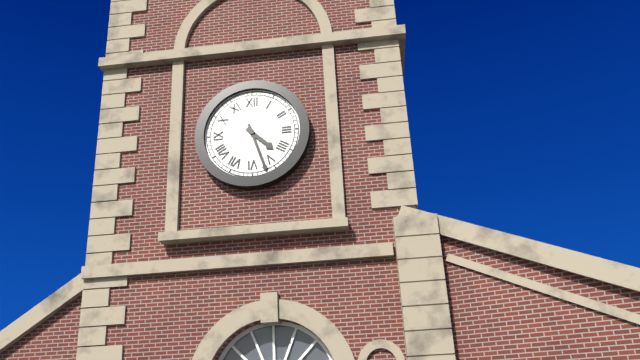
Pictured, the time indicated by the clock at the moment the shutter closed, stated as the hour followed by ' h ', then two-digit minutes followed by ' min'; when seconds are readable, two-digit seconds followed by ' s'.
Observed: 4 h 27 min
